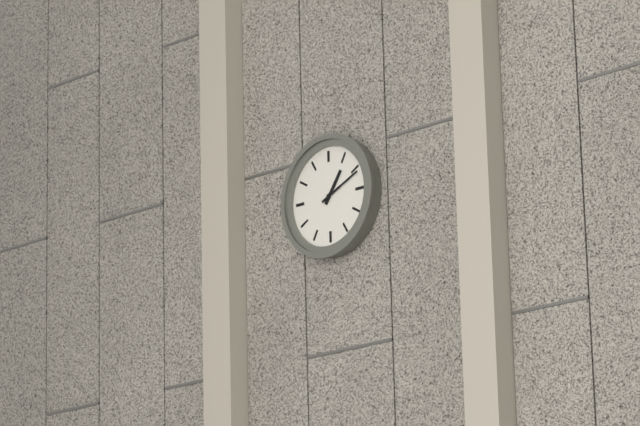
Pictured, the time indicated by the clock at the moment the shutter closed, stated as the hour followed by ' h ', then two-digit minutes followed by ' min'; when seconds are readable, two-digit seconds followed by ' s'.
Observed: 1 h 11 min
